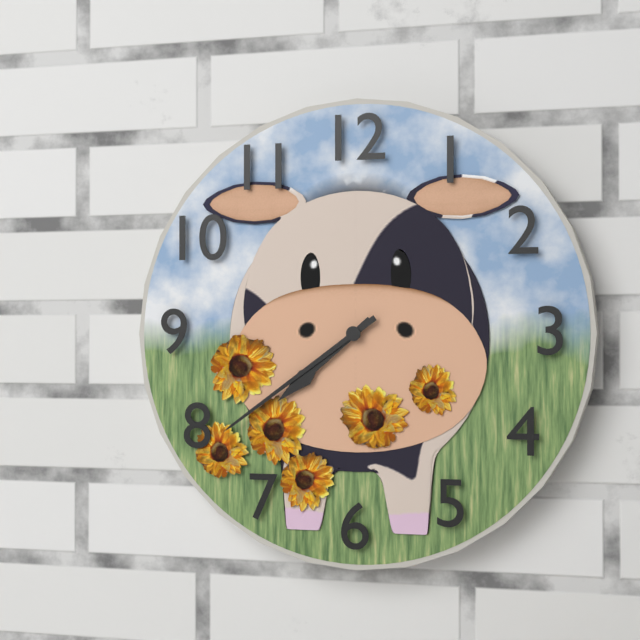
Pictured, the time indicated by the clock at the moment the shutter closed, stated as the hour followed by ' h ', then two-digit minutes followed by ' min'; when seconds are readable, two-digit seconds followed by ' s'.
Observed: 7 h 39 min
